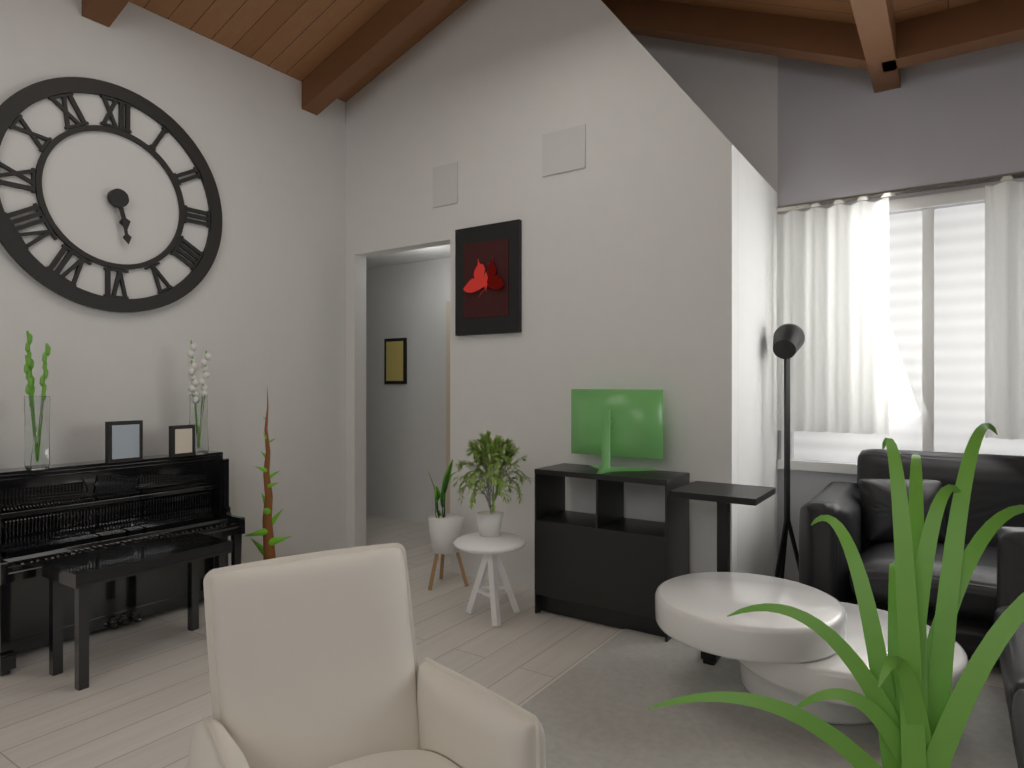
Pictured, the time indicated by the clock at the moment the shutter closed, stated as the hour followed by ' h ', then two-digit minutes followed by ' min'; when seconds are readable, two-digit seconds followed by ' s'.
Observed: 5 h 28 min
